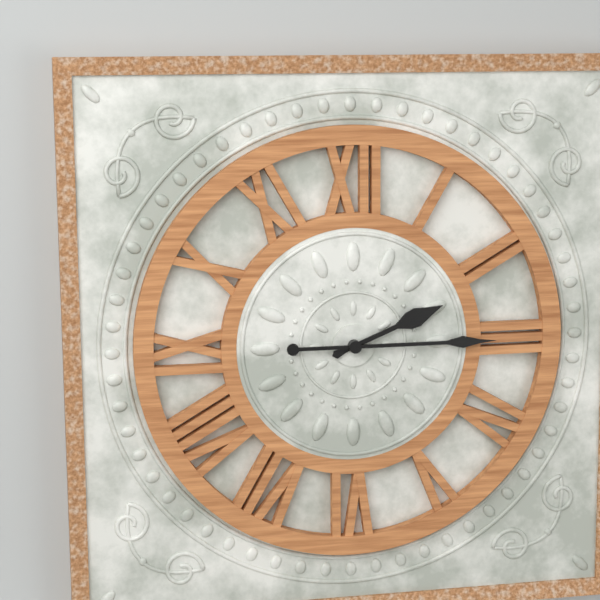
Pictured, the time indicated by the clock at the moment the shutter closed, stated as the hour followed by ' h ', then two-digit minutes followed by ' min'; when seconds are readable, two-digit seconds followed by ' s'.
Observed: 2 h 15 min
